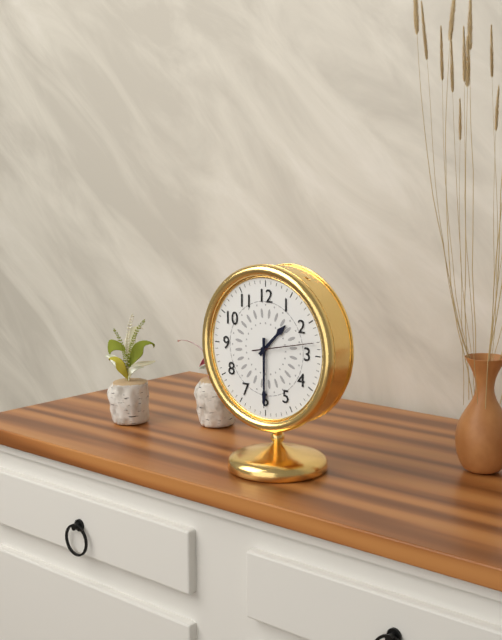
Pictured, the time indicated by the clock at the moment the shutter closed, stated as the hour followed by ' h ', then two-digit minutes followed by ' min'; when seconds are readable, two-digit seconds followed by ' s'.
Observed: 1 h 30 min 13 s
